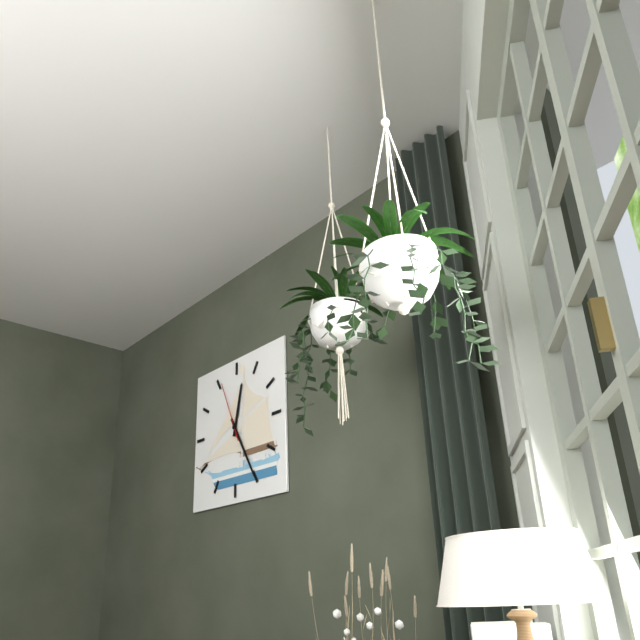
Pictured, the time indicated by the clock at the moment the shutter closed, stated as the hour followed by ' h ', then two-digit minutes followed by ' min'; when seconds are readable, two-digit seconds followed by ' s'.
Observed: 12 h 25 min 56 s
